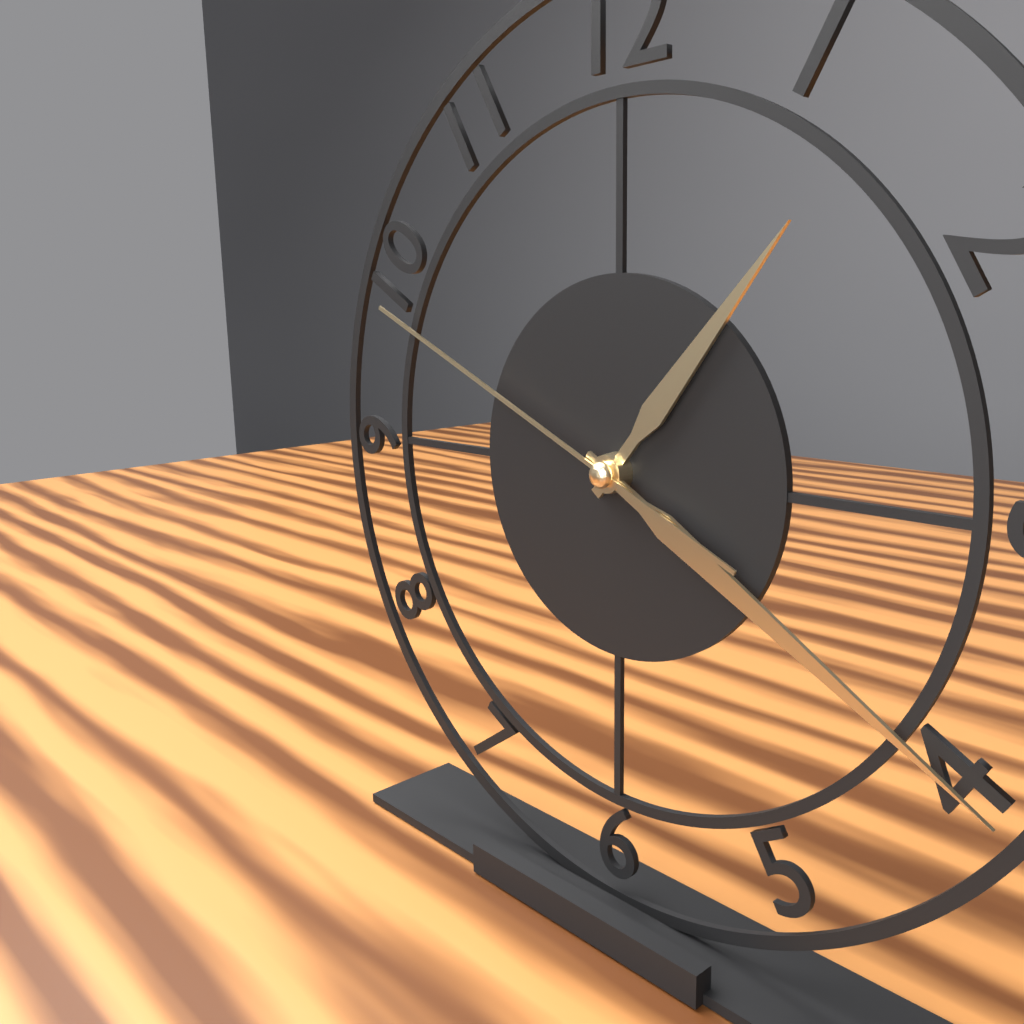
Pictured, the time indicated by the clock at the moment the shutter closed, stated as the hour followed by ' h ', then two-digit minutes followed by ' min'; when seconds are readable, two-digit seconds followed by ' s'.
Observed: 1 h 20 min 49 s
